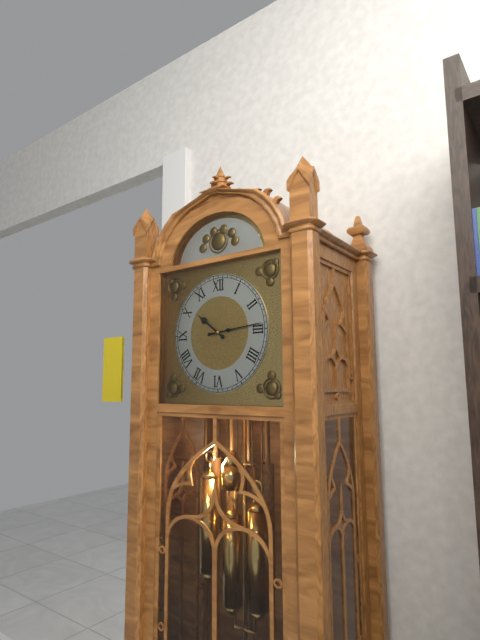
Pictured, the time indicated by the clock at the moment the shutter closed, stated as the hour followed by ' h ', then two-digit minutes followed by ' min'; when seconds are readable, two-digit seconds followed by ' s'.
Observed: 10 h 14 min
